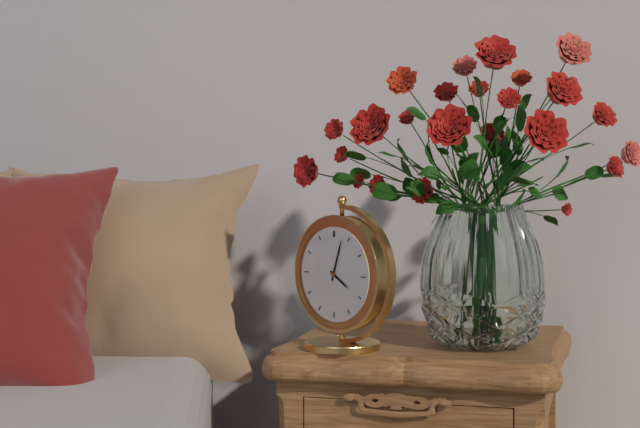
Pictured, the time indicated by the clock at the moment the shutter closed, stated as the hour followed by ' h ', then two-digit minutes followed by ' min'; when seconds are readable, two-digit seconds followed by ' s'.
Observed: 4 h 03 min
